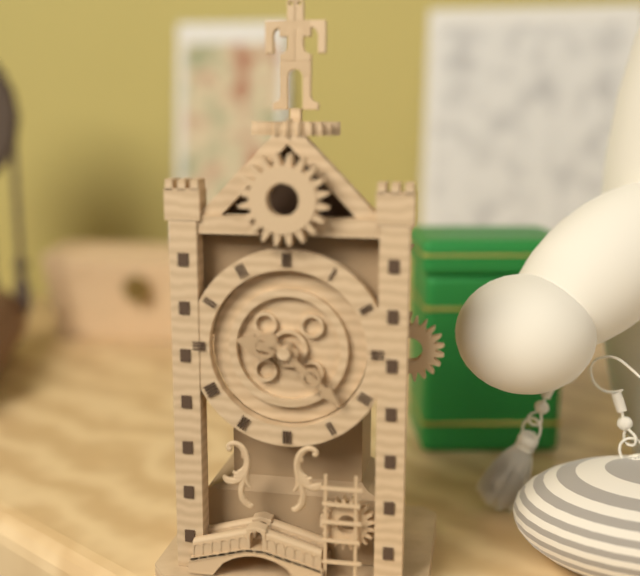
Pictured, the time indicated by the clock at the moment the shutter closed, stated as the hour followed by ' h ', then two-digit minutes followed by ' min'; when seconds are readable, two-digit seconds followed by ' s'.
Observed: 9 h 22 min
